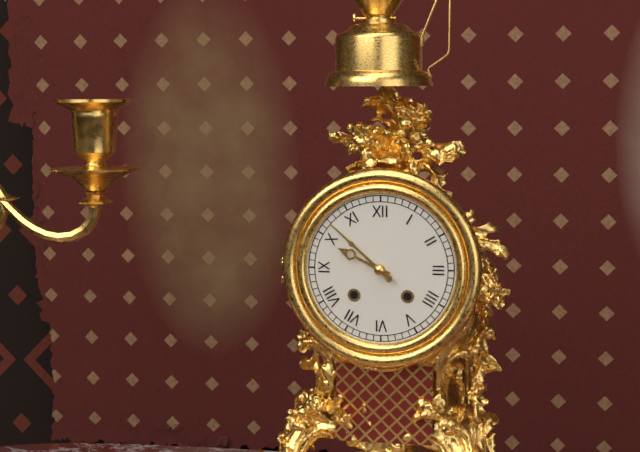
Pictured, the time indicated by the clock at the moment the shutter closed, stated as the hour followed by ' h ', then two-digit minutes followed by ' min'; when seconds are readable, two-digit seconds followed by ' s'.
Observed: 9 h 52 min
